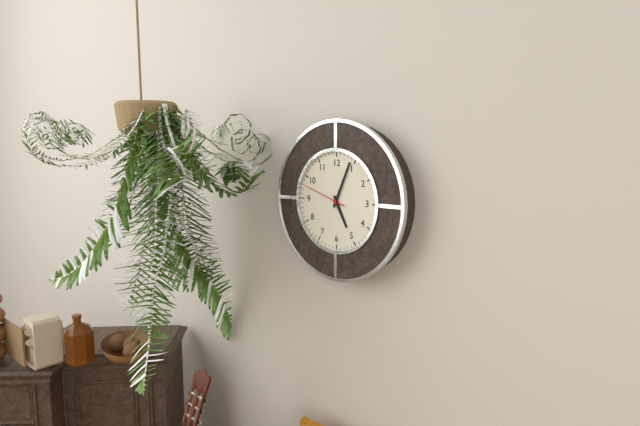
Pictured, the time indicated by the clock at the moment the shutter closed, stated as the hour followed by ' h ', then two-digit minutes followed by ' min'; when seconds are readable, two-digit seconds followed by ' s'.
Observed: 5 h 04 min
